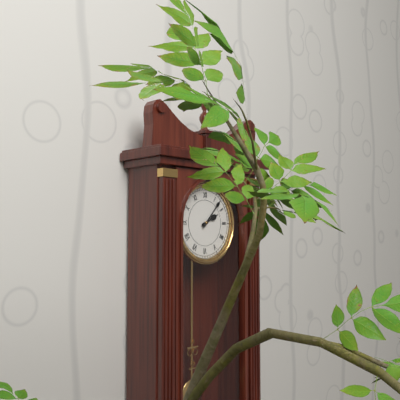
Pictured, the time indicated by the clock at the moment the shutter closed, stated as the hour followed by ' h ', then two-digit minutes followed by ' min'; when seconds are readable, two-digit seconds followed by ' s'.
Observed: 2 h 07 min
